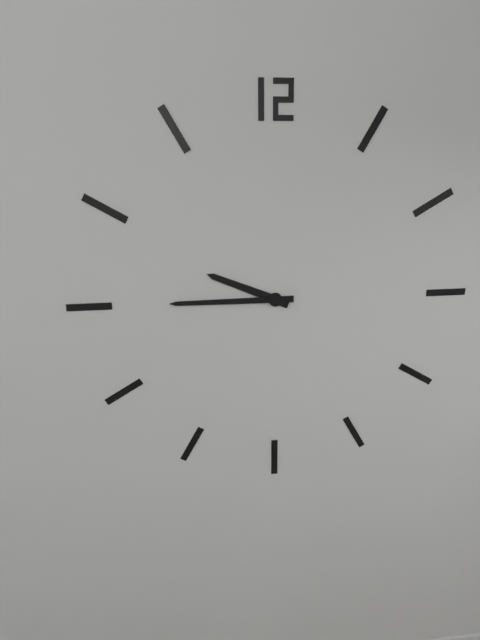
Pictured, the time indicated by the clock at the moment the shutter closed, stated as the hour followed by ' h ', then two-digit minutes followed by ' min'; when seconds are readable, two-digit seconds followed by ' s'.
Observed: 9 h 45 min
